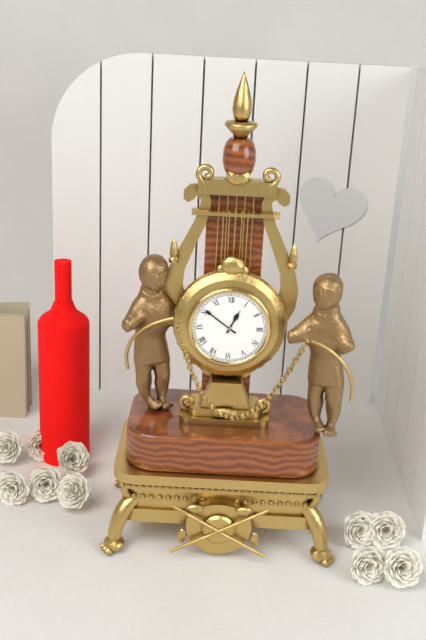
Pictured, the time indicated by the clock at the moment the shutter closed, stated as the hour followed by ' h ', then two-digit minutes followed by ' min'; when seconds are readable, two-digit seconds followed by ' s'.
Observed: 12 h 51 min
